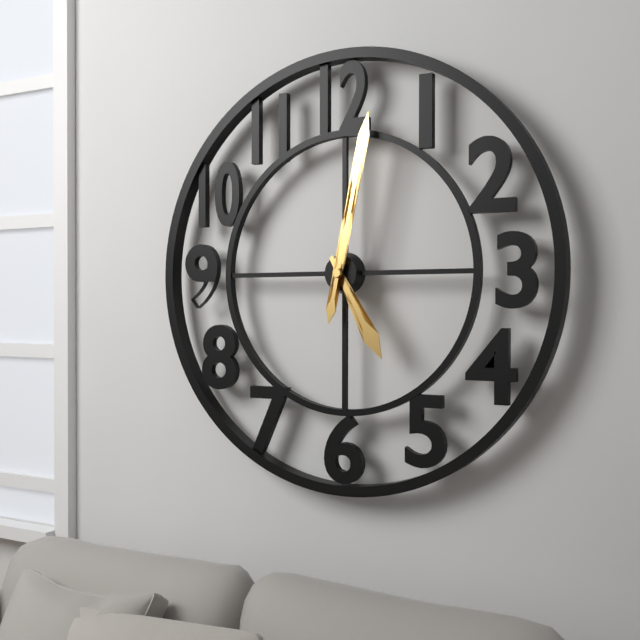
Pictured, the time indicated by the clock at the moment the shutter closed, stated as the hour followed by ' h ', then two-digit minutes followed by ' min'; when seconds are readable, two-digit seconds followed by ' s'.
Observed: 5 h 02 min
